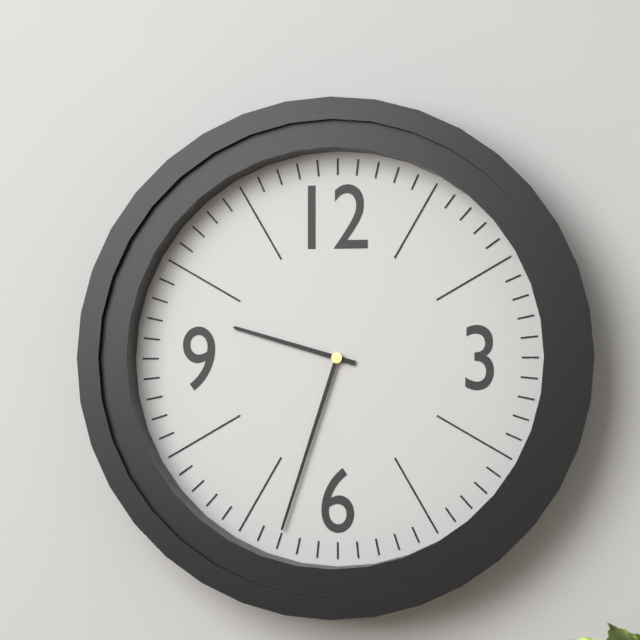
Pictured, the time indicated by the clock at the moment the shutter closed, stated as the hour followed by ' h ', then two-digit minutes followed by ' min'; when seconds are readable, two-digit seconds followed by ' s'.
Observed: 9 h 33 min
